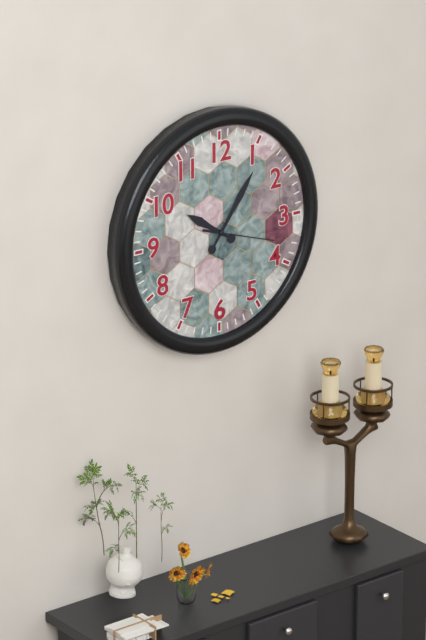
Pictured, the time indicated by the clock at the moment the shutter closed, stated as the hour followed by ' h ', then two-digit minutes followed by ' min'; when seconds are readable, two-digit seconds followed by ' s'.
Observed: 10 h 06 min 18 s
